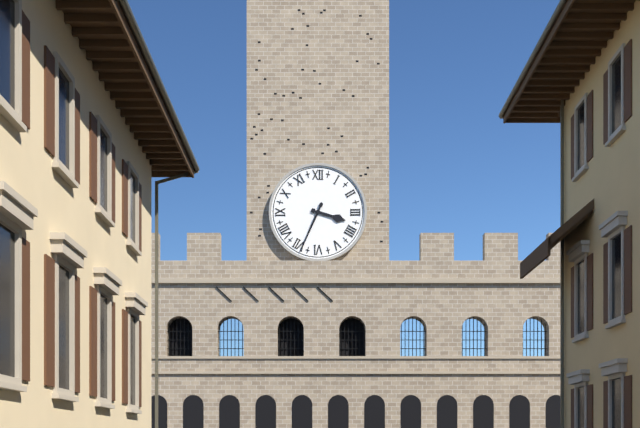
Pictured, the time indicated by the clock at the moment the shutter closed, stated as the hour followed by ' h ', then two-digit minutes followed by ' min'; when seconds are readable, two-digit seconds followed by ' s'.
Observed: 3 h 34 min
